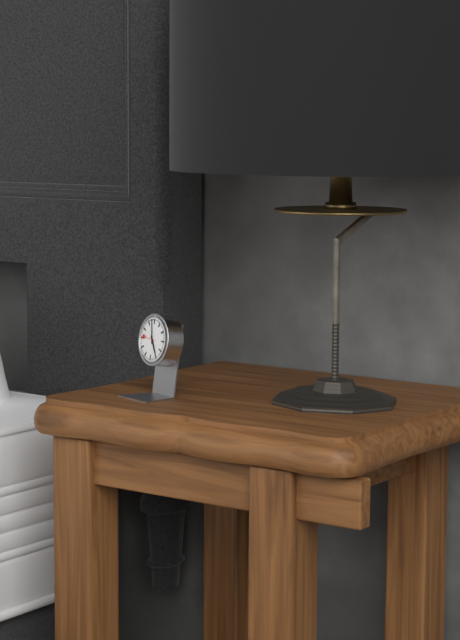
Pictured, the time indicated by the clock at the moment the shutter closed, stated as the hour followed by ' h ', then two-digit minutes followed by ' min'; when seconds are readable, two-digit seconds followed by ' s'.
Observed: 4 h 58 min
